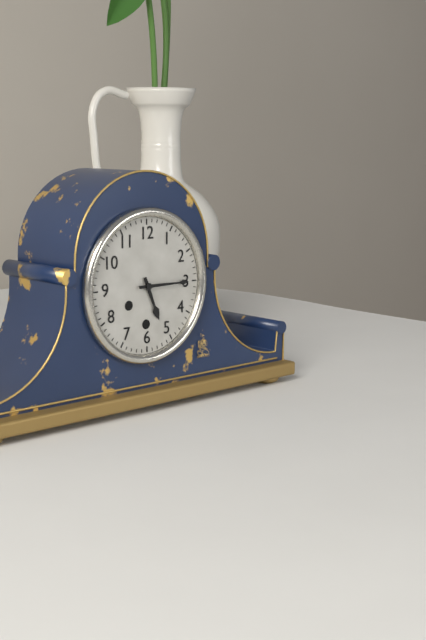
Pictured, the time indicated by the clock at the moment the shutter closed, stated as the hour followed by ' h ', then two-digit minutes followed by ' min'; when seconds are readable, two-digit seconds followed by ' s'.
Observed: 5 h 15 min
